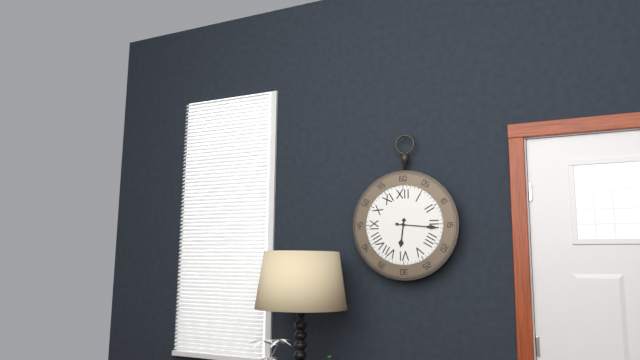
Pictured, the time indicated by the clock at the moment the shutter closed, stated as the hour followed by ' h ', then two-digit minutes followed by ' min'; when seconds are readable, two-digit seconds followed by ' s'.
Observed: 6 h 16 min
